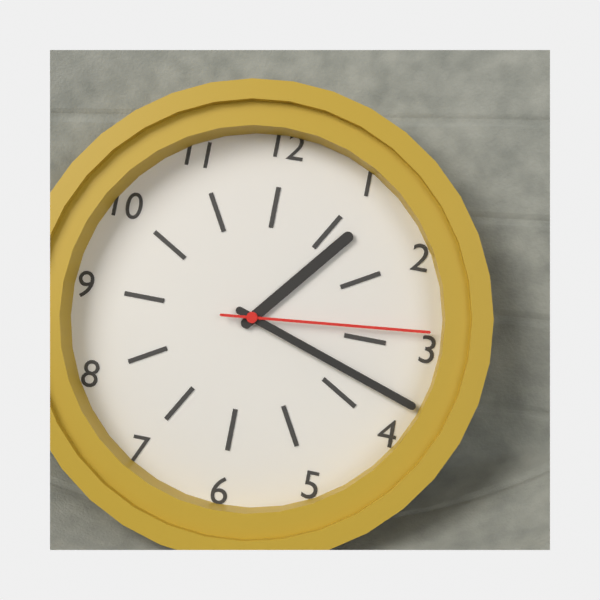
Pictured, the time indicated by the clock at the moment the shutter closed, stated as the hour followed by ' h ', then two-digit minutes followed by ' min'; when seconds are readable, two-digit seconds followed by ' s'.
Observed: 1 h 18 min 14 s
